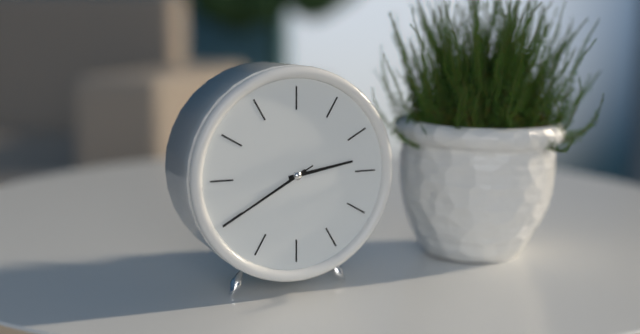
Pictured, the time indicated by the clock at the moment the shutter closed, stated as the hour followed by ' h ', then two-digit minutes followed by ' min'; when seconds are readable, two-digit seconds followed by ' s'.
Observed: 2 h 40 min 40 s
